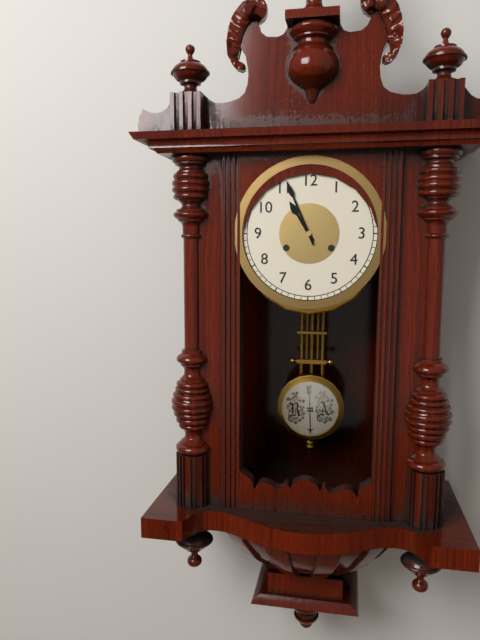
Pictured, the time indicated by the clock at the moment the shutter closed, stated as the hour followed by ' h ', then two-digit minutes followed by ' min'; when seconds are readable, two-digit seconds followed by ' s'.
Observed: 10 h 56 min
